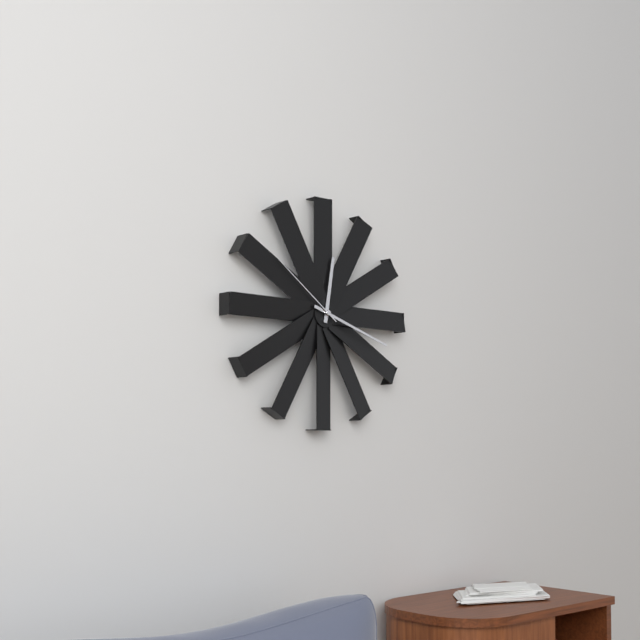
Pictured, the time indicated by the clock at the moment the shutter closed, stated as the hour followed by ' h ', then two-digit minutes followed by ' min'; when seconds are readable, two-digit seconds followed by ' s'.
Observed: 12 h 18 min 51 s
